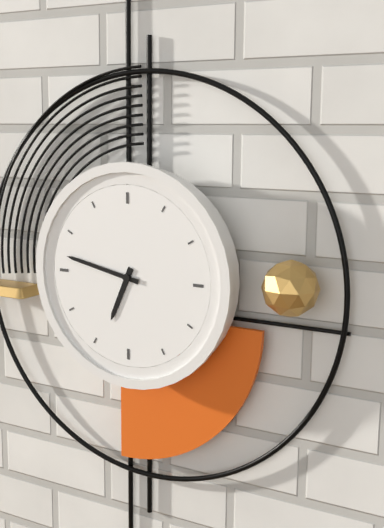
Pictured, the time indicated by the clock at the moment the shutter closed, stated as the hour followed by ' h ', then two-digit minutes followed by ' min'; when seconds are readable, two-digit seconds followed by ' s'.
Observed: 6 h 47 min
